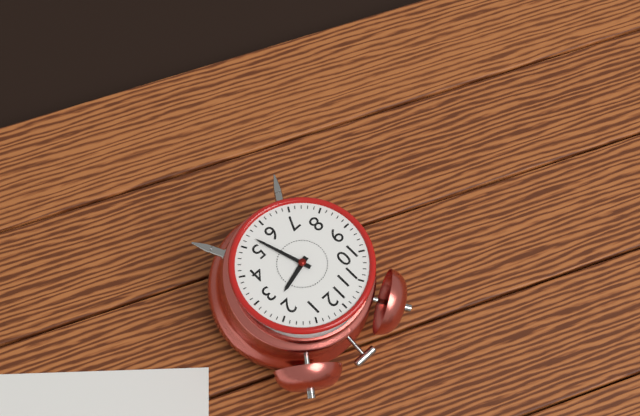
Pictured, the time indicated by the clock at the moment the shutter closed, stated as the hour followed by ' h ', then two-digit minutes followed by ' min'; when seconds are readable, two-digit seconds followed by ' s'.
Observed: 2 h 27 min
